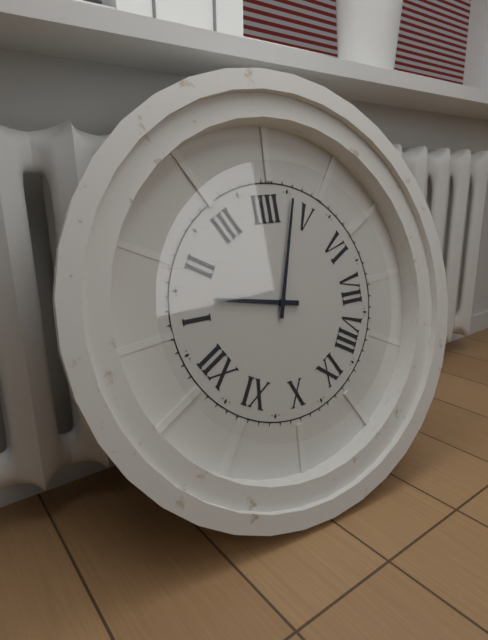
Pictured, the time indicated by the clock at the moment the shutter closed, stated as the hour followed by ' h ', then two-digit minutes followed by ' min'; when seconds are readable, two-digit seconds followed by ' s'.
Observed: 1 h 23 min
